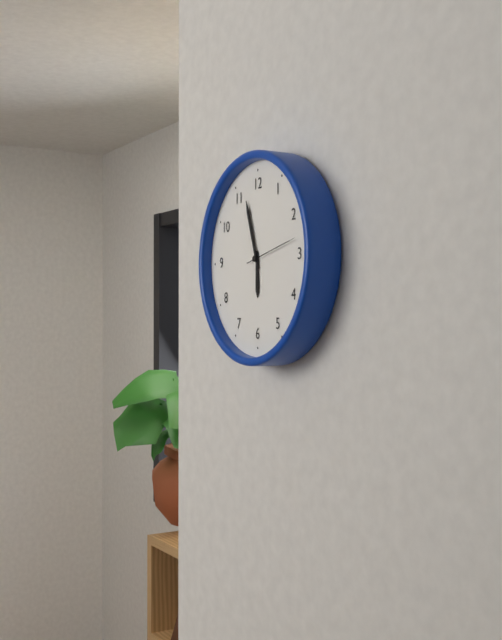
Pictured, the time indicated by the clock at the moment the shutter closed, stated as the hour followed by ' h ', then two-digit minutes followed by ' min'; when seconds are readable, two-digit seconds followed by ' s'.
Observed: 5 h 57 min 13 s
